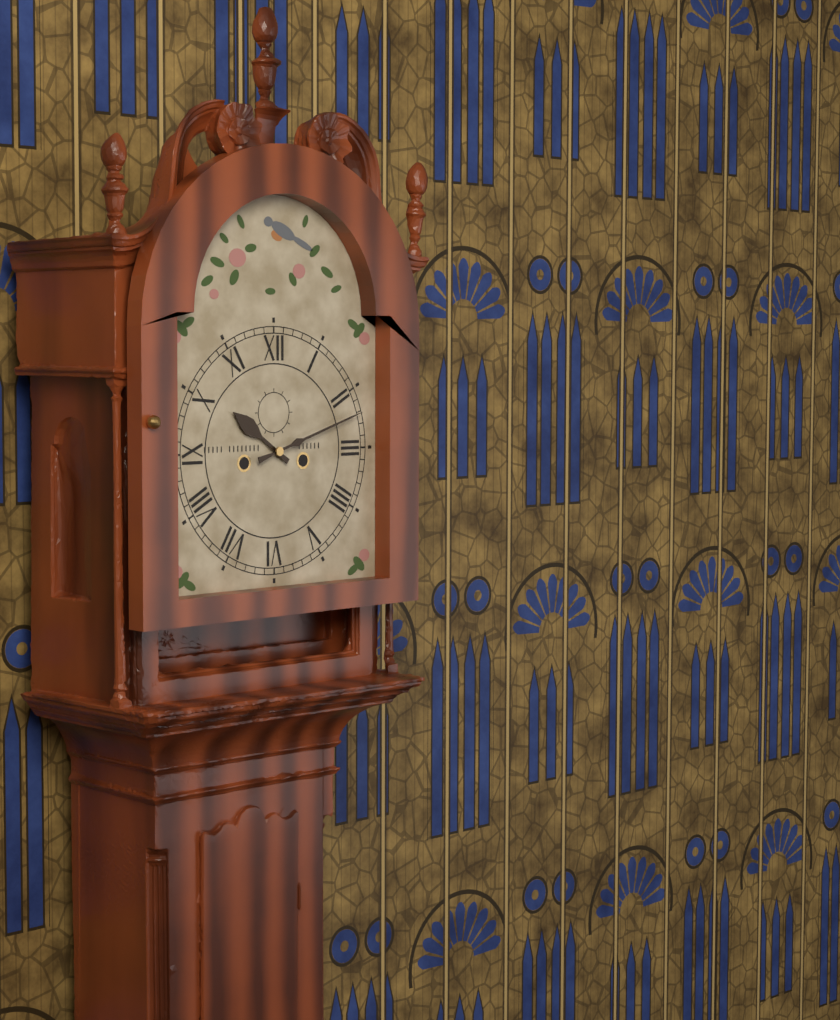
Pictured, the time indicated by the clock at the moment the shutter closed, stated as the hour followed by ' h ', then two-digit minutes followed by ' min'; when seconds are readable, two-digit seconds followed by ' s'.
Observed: 10 h 12 min
